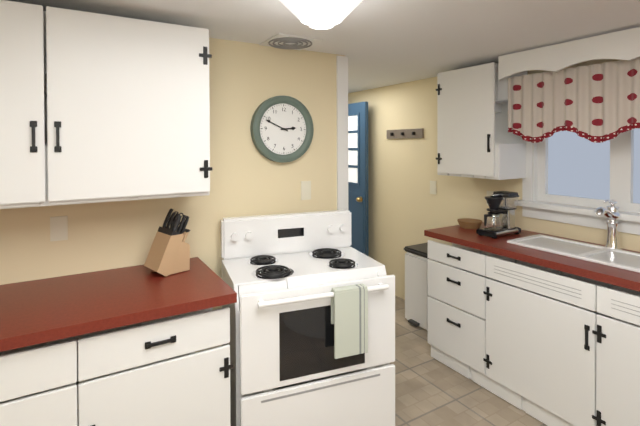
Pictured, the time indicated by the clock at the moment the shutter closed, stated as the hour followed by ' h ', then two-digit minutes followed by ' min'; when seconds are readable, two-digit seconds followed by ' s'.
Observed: 2 h 49 min
